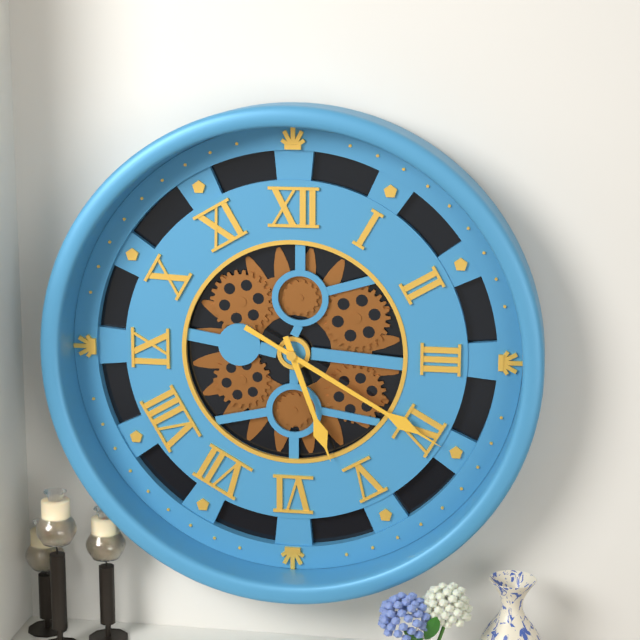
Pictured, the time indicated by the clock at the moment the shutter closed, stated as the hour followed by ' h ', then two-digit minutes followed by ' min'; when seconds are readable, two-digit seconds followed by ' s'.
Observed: 5 h 20 min
